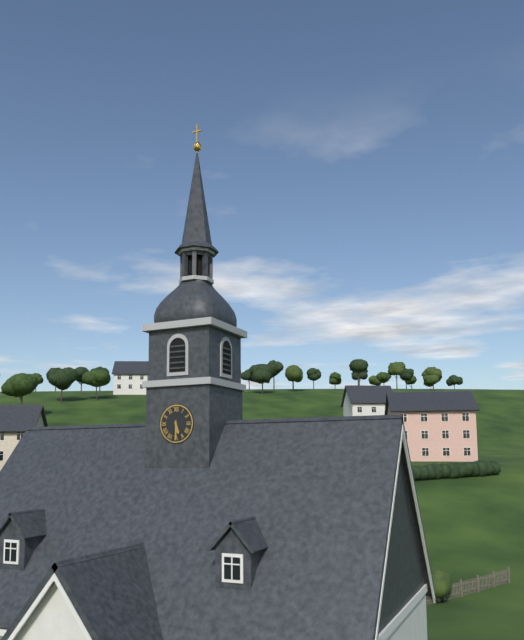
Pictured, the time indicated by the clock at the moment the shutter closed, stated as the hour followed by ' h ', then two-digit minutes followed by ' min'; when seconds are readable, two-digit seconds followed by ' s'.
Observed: 5 h 30 min
